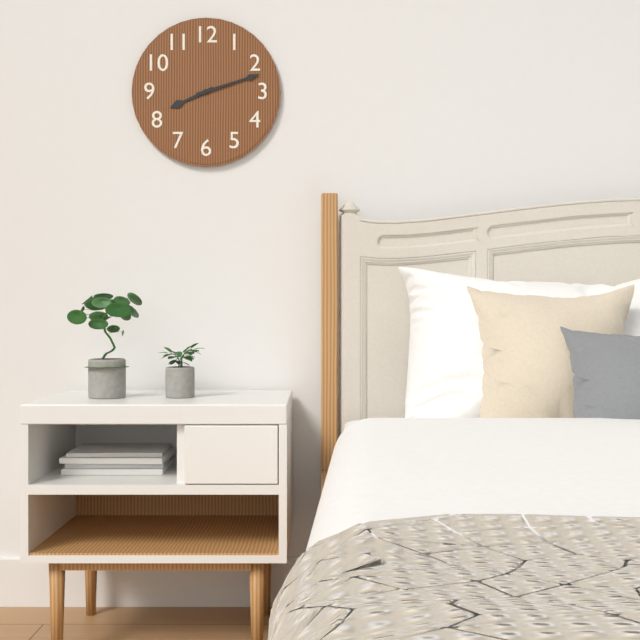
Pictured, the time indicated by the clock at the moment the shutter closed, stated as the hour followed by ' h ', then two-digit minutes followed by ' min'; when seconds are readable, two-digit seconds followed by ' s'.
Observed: 8 h 12 min
